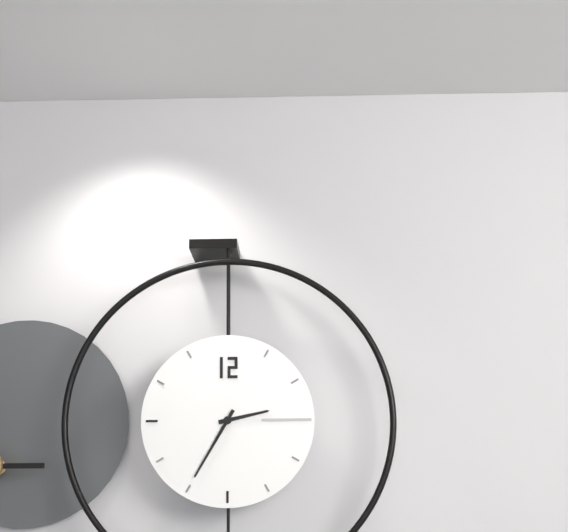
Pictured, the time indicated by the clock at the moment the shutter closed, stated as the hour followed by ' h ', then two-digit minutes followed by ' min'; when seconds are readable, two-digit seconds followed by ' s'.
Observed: 2 h 35 min
